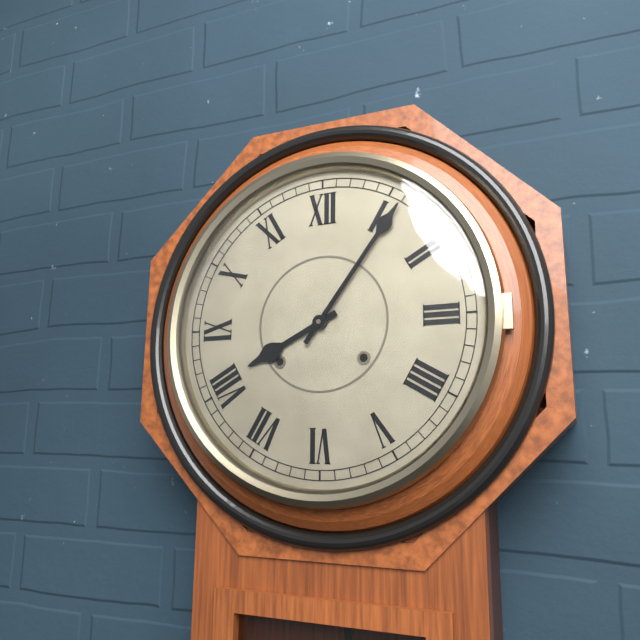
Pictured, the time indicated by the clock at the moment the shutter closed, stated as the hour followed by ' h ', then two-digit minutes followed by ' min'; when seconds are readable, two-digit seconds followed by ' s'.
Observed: 8 h 06 min
